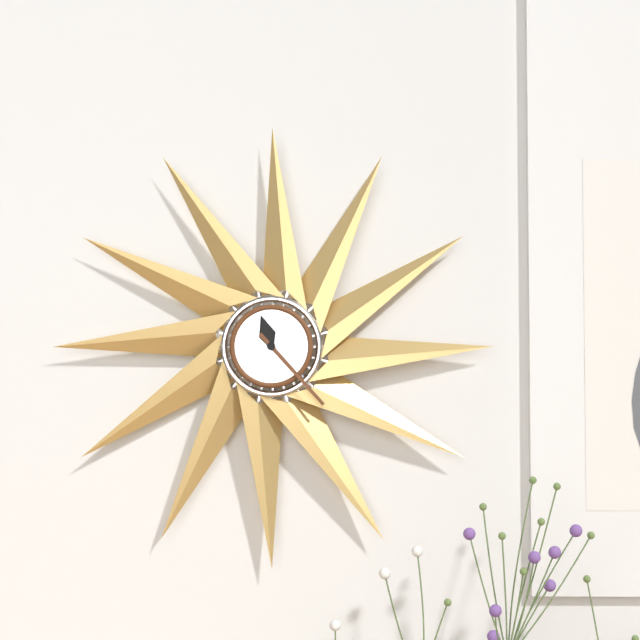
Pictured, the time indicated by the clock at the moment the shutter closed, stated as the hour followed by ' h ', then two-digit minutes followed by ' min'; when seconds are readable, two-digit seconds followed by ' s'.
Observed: 11 h 23 min
